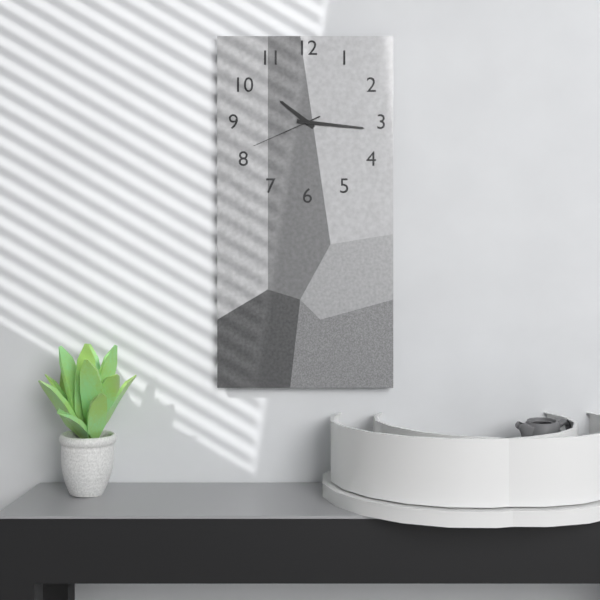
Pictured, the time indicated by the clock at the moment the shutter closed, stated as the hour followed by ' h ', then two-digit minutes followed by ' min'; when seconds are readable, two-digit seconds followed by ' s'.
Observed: 10 h 16 min 41 s
